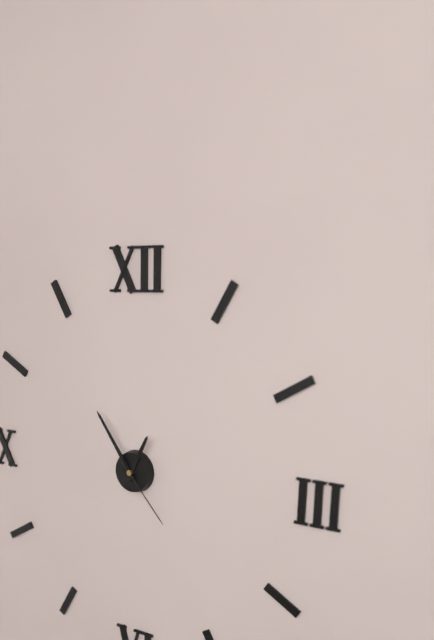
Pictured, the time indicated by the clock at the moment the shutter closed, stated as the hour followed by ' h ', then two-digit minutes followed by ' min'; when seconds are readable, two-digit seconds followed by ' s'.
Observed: 12 h 54 min 23 s
